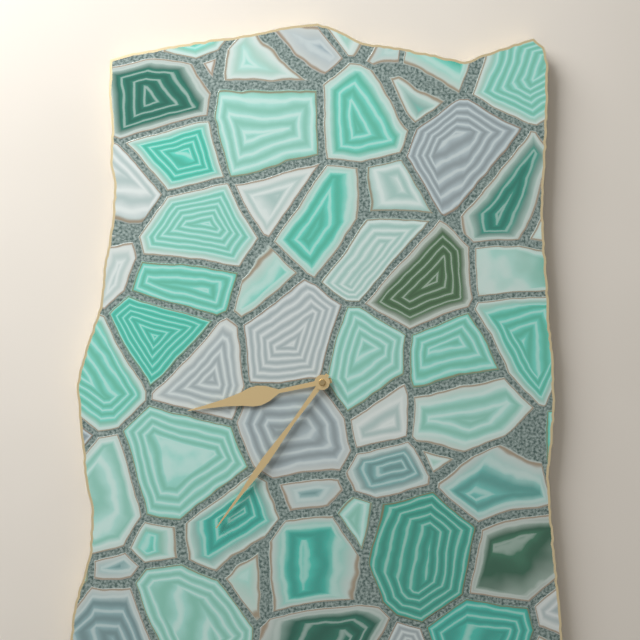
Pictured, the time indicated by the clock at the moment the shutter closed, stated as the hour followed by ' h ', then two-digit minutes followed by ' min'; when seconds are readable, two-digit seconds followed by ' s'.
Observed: 8 h 36 min
